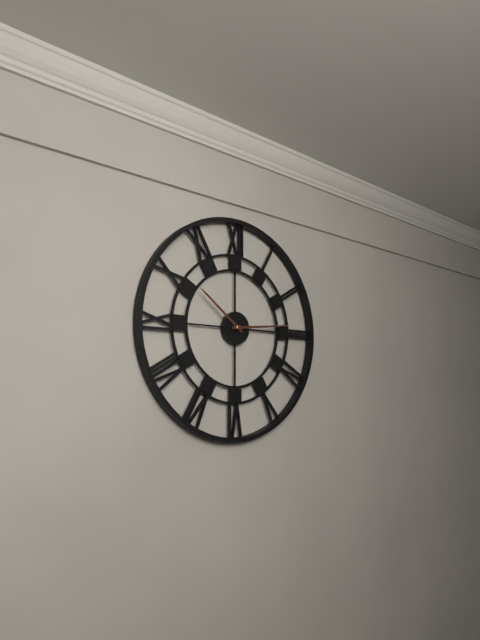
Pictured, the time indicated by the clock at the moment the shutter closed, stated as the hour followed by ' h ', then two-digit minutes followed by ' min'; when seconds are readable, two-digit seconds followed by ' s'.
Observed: 10 h 14 min
